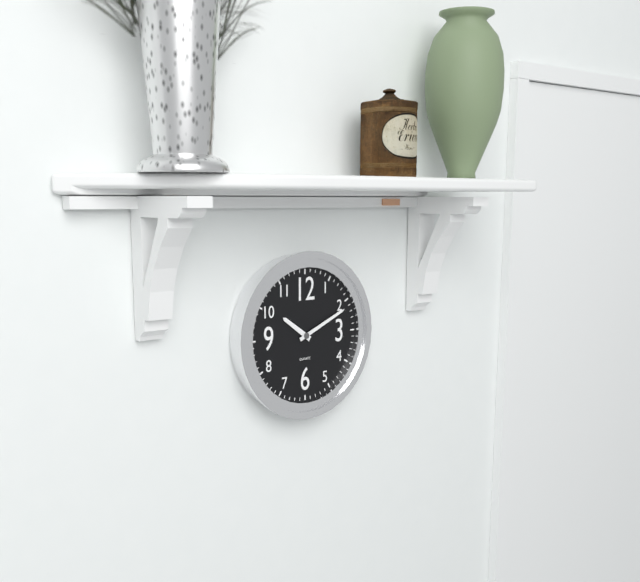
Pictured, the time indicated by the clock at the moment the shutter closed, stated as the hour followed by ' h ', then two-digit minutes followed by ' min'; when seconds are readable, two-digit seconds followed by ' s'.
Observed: 10 h 11 min
